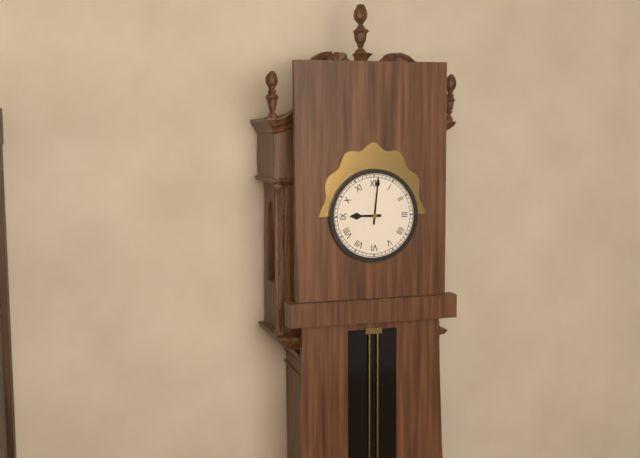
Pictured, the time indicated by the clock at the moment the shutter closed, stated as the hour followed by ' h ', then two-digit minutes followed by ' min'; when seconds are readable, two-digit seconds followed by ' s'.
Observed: 9 h 01 min
